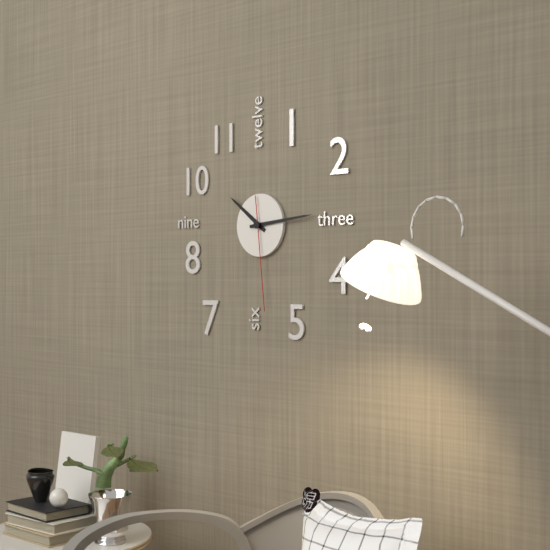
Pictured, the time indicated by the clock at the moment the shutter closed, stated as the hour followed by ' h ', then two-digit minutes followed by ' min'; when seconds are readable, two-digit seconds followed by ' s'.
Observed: 10 h 14 min 29 s
